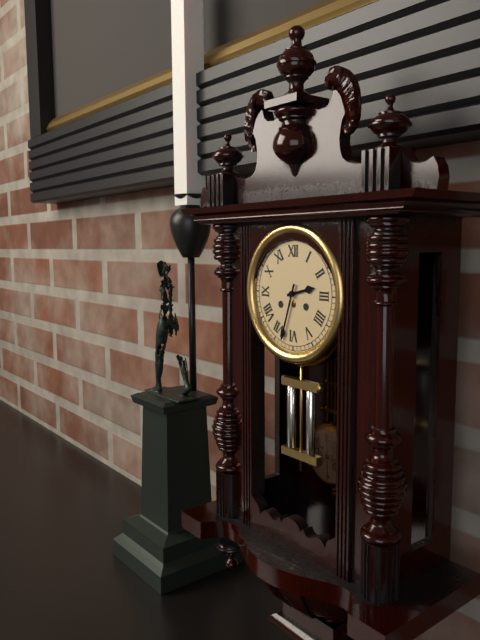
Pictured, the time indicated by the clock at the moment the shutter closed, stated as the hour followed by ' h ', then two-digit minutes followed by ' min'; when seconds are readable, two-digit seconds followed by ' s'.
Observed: 2 h 33 min
